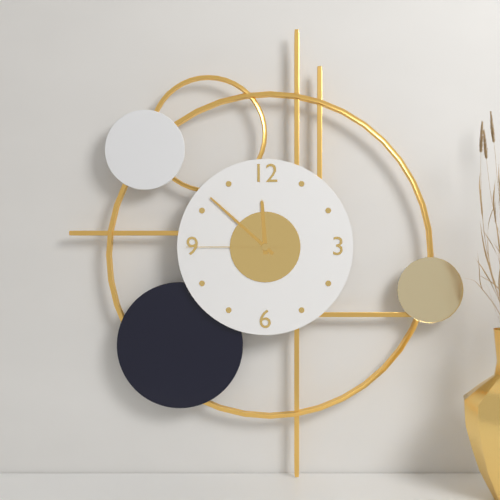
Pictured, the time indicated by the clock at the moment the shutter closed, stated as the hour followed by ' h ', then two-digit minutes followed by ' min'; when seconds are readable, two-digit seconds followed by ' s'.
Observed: 11 h 52 min 45 s
